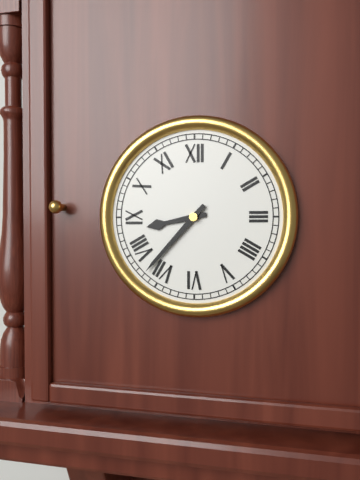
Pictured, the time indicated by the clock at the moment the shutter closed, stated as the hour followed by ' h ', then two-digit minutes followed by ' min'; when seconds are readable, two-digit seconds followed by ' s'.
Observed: 8 h 37 min
